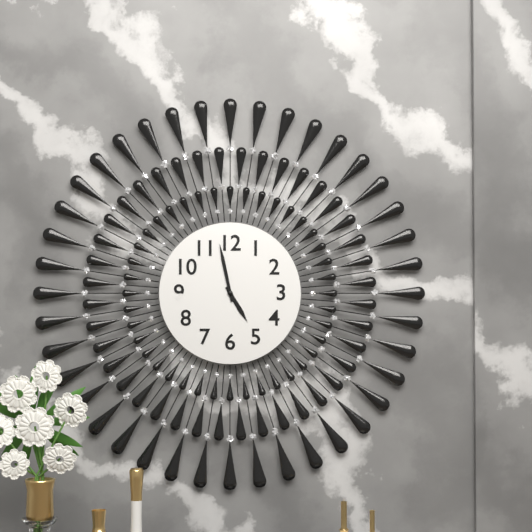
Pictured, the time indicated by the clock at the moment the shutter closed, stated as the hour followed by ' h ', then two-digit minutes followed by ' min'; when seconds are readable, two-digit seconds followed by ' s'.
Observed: 4 h 58 min
